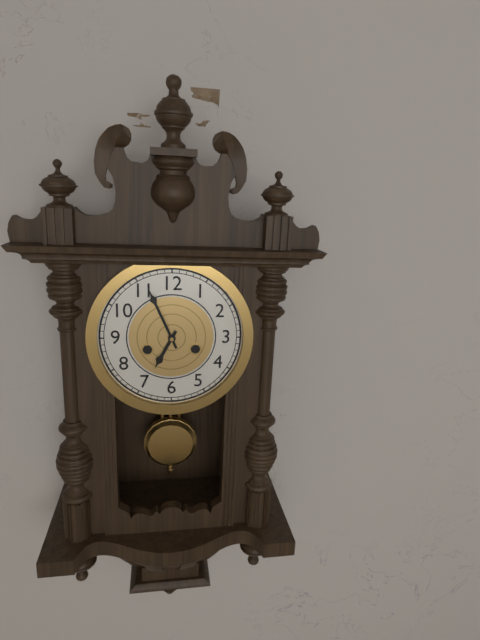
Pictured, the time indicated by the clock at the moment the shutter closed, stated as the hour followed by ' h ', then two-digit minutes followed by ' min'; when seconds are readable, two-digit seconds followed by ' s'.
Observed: 6 h 56 min
